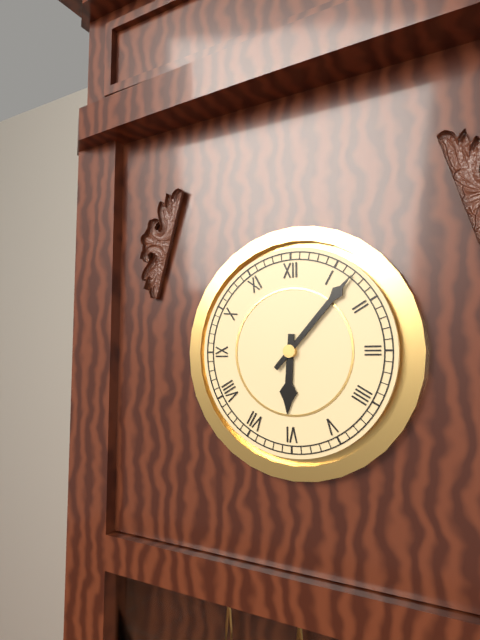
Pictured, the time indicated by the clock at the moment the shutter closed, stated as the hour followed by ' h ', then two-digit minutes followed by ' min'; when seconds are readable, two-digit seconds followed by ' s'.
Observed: 6 h 07 min
